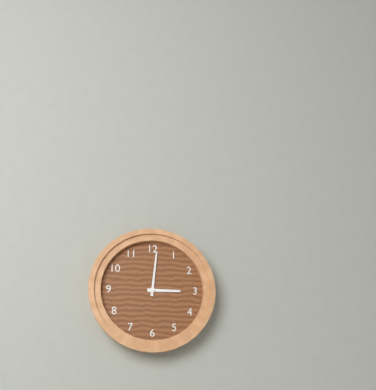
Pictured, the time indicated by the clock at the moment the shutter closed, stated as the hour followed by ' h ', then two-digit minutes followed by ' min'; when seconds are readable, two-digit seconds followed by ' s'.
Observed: 3 h 01 min
